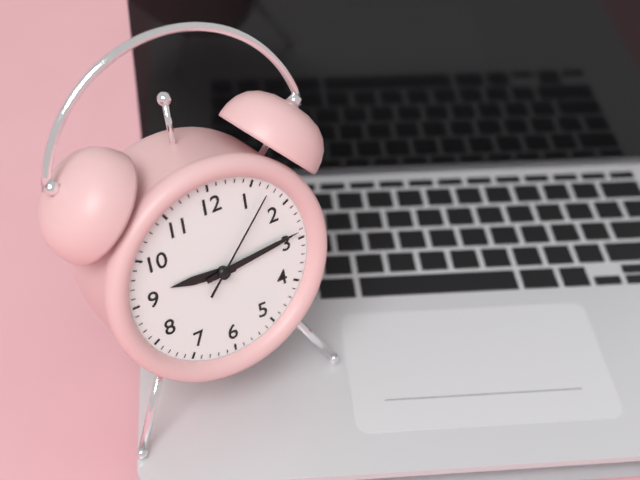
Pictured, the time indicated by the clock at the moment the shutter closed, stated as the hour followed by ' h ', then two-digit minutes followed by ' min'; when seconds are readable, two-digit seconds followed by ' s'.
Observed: 9 h 14 min 07 s
